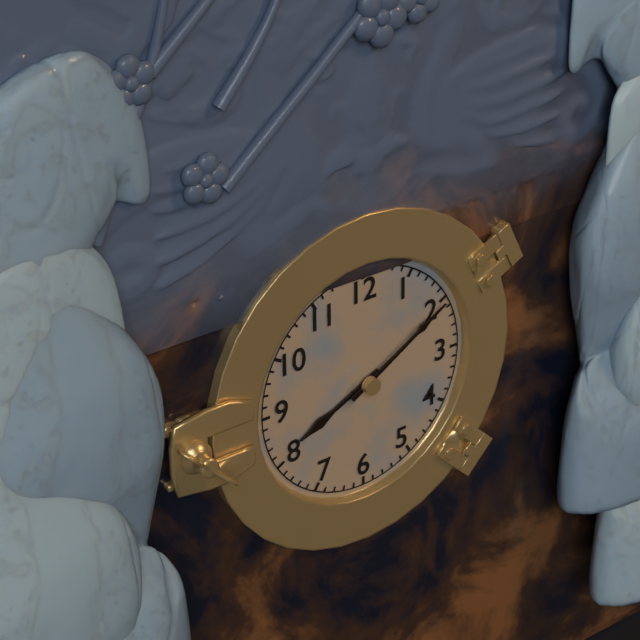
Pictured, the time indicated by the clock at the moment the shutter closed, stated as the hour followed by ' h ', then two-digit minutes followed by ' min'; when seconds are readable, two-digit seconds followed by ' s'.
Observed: 8 h 10 min
